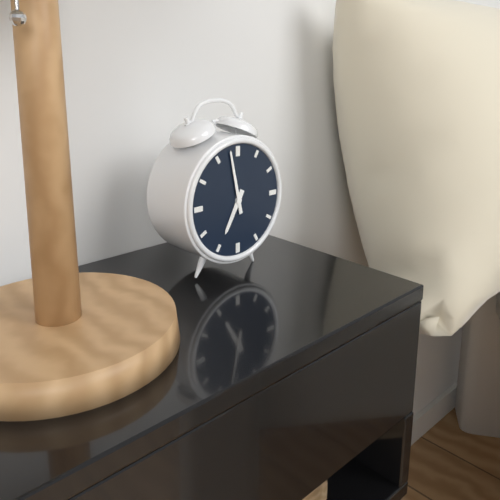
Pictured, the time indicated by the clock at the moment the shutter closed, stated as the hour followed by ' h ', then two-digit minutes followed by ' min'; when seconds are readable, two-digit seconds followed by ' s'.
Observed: 6 h 58 min
